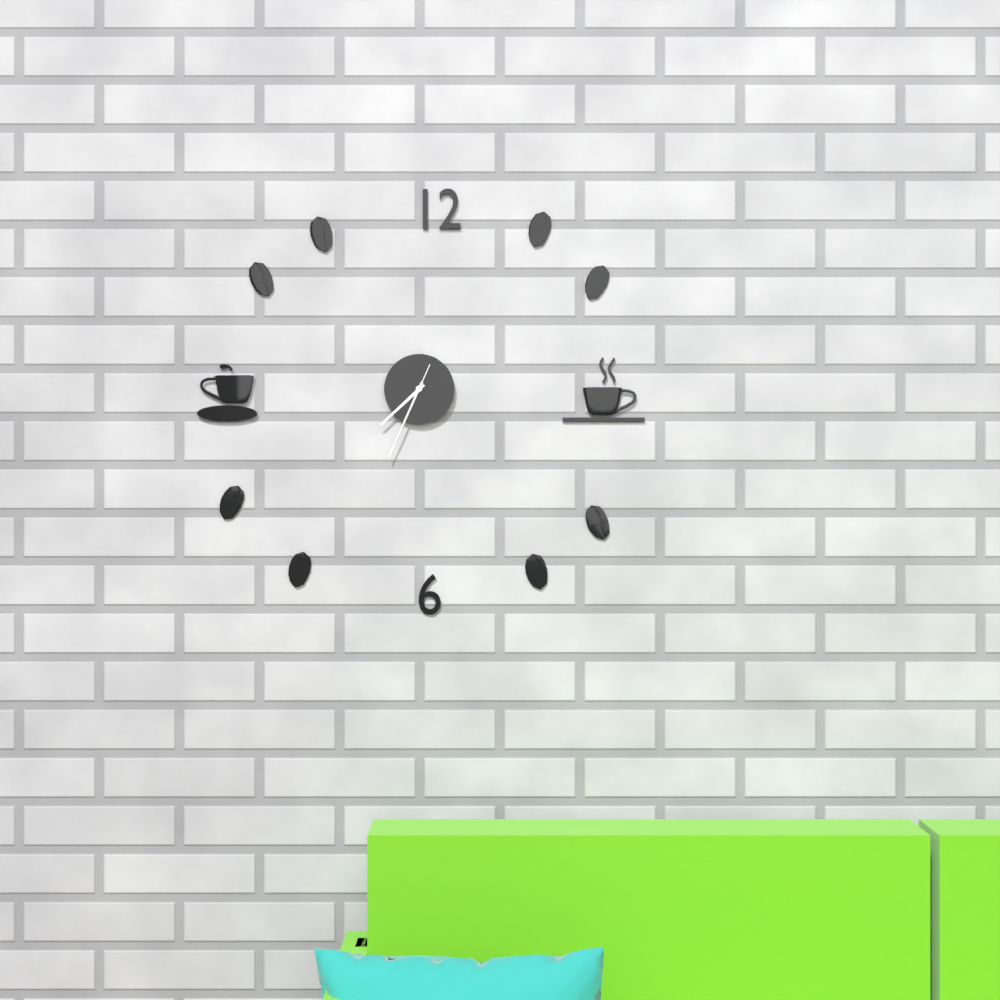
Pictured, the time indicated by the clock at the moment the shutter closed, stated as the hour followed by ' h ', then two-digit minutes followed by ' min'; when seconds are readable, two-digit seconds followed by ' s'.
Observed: 7 h 34 min 34 s
